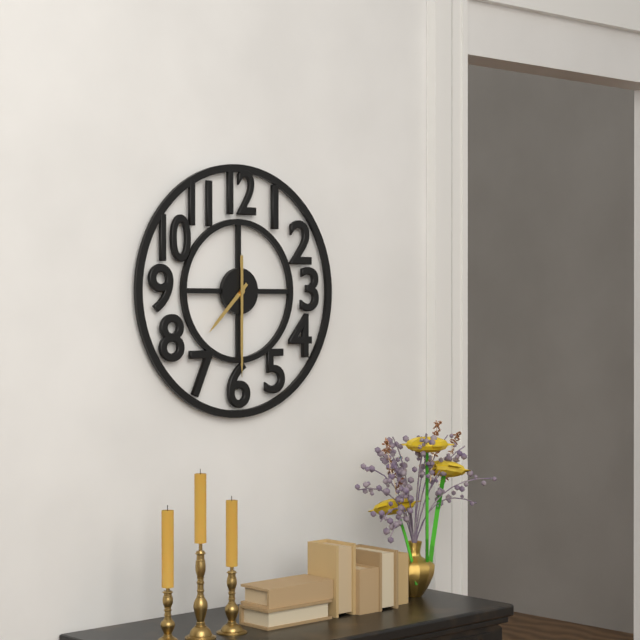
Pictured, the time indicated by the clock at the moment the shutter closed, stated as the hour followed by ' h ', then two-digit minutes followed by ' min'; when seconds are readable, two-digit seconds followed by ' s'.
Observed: 7 h 30 min
